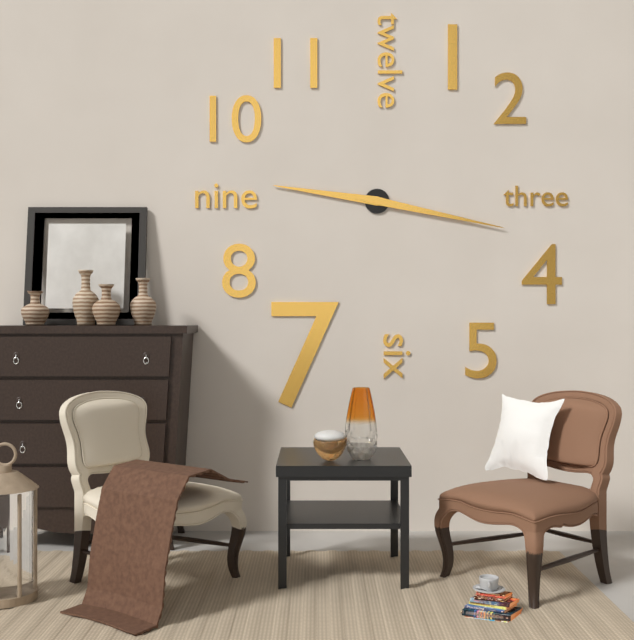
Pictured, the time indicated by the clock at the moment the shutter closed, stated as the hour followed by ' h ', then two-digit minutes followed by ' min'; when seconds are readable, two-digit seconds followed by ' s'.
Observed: 9 h 17 min
